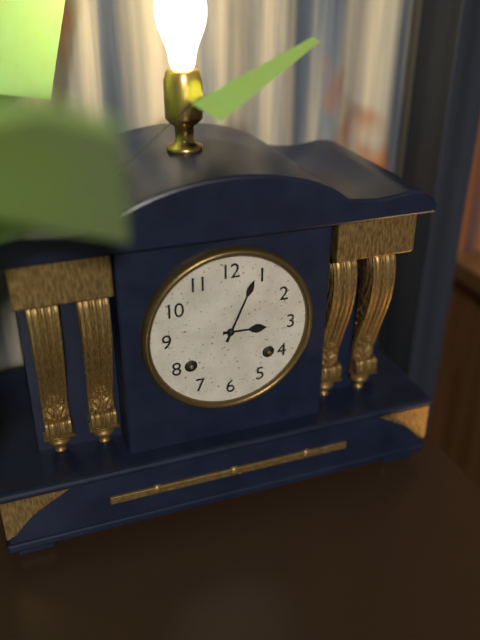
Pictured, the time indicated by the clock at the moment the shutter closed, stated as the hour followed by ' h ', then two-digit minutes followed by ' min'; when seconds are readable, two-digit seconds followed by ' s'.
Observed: 3 h 04 min
